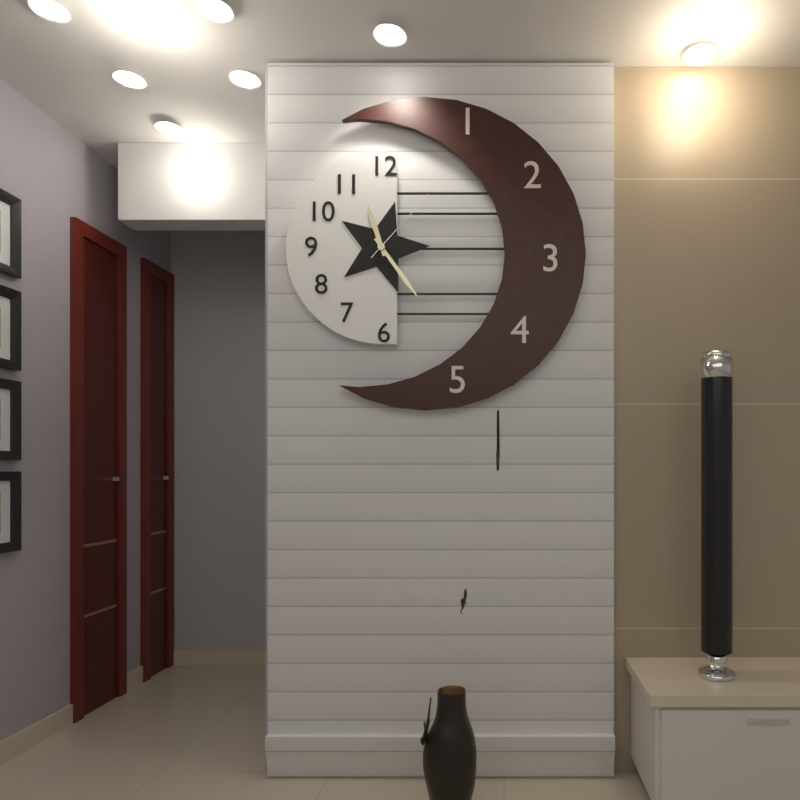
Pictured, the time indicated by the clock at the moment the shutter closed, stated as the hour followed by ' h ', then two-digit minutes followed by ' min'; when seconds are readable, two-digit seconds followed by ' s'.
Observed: 11 h 24 min 07 s
